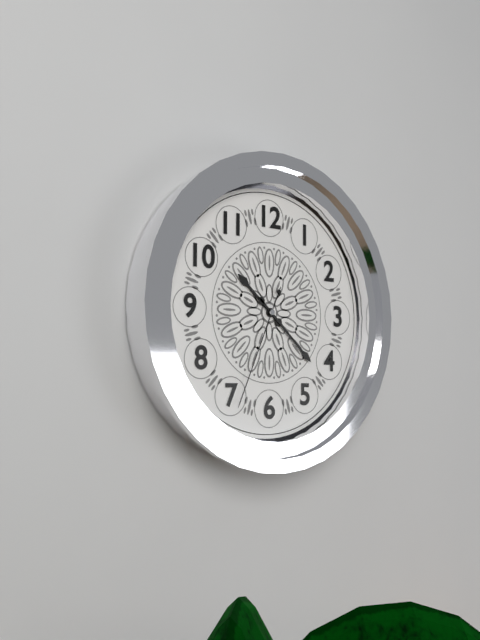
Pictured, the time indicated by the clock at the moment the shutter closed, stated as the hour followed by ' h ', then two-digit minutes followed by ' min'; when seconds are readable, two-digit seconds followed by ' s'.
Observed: 10 h 22 min 34 s
